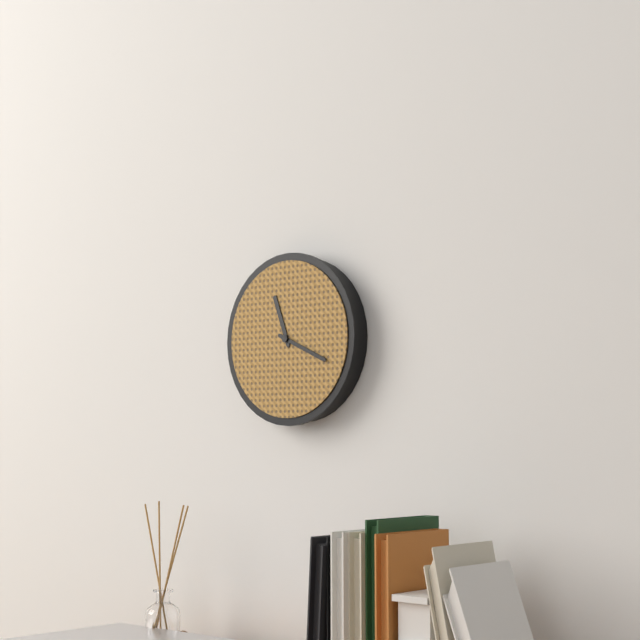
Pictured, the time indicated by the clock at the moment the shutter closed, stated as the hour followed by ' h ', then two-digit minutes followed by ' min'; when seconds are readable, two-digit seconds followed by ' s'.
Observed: 11 h 19 min
